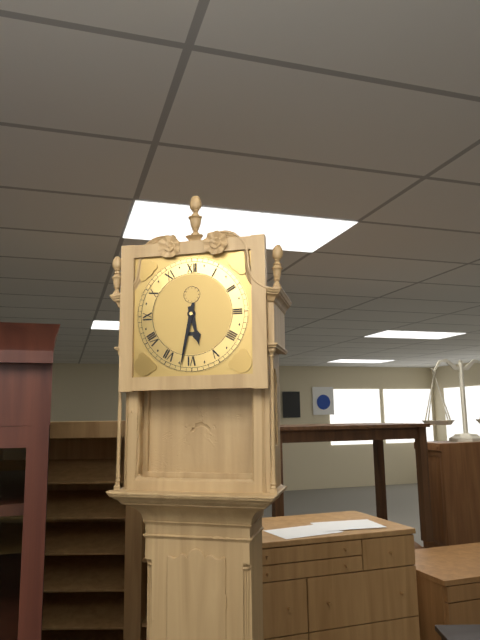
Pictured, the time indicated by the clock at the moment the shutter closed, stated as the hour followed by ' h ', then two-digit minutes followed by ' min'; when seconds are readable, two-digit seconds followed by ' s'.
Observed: 5 h 32 min
